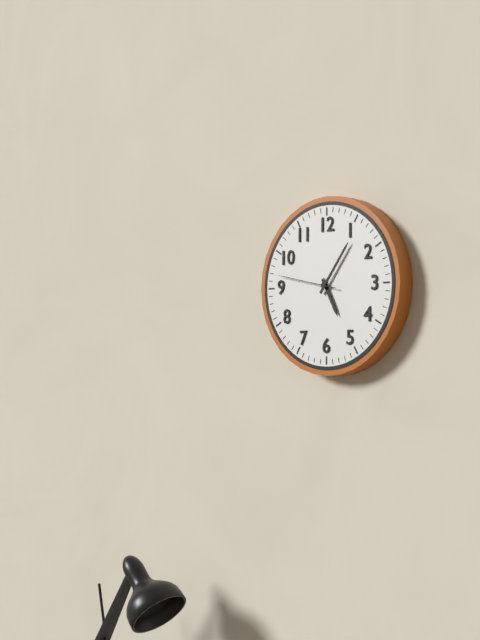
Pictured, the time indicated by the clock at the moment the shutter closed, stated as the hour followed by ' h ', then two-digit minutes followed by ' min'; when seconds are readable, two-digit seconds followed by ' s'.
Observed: 5 h 06 min 47 s
